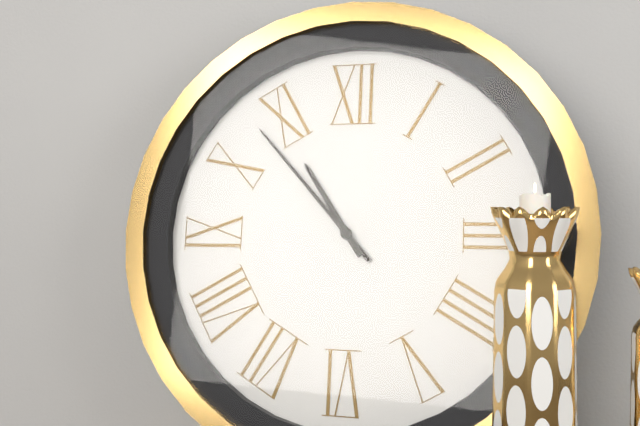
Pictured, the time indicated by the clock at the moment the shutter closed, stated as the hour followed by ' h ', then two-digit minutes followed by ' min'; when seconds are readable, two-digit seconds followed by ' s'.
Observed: 10 h 53 min
